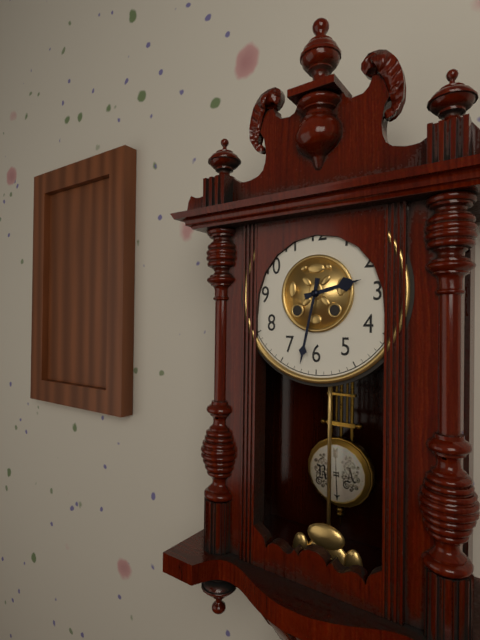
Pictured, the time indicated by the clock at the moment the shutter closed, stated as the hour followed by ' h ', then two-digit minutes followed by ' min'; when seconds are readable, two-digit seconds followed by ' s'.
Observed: 2 h 32 min
